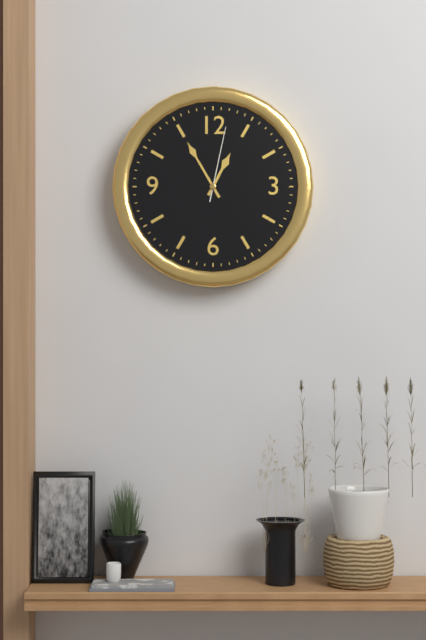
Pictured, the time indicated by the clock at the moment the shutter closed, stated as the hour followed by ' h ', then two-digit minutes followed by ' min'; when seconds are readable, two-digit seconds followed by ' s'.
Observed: 12 h 55 min 02 s
